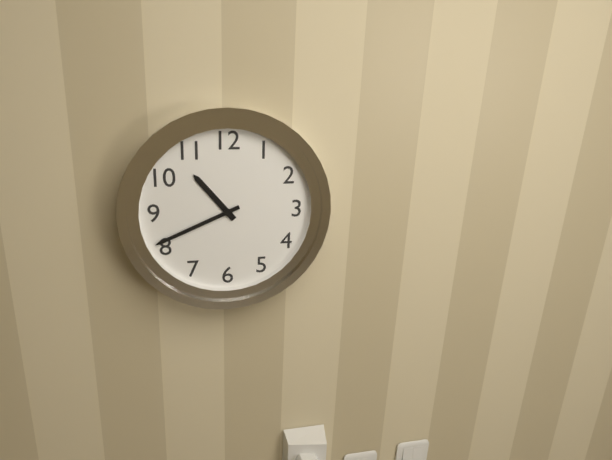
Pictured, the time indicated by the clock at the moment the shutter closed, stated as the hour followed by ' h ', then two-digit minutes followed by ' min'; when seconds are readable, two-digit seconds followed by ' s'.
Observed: 10 h 41 min
